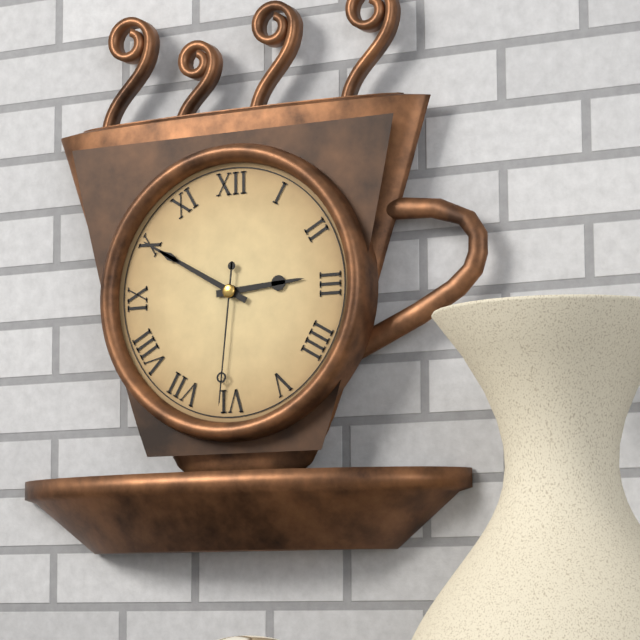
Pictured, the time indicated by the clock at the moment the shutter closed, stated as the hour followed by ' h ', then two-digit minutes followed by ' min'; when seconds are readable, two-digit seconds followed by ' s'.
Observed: 2 h 50 min 31 s
